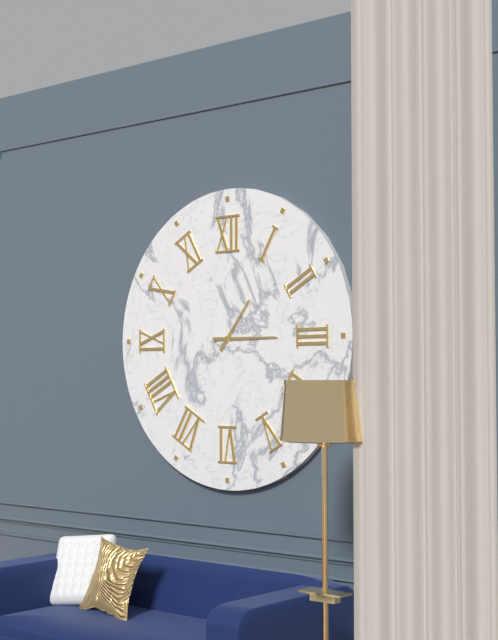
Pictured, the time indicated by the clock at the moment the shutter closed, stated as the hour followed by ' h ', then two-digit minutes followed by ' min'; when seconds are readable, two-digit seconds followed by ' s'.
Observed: 1 h 15 min
